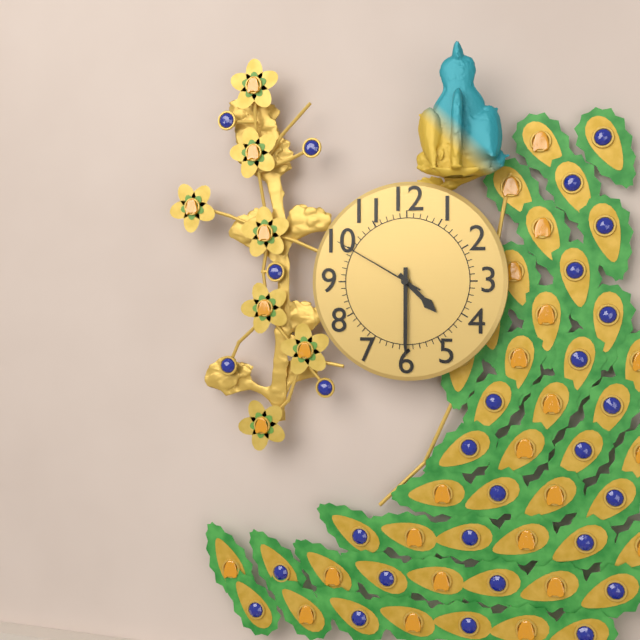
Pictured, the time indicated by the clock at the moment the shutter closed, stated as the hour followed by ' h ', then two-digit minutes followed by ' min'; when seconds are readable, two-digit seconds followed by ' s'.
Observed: 4 h 30 min 50 s
